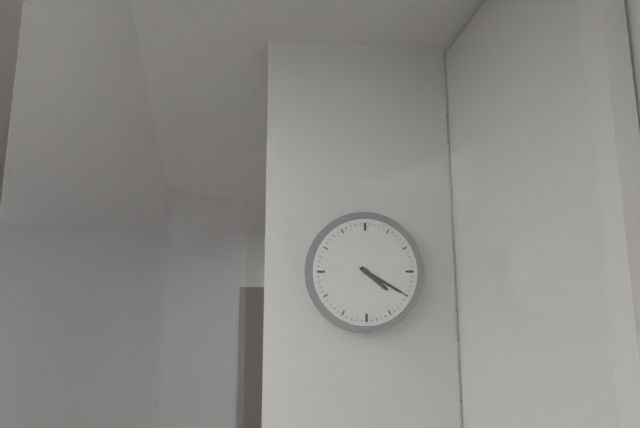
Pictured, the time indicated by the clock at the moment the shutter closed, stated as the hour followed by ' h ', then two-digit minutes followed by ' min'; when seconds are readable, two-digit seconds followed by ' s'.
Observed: 4 h 20 min
